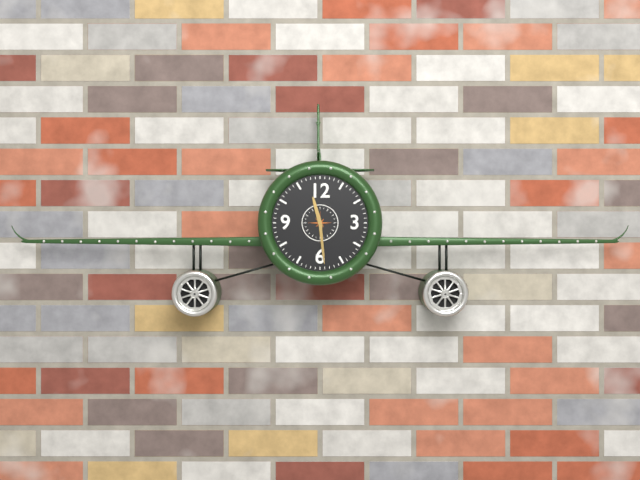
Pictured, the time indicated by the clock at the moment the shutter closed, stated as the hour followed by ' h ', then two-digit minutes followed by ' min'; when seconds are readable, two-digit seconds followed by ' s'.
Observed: 11 h 29 min
